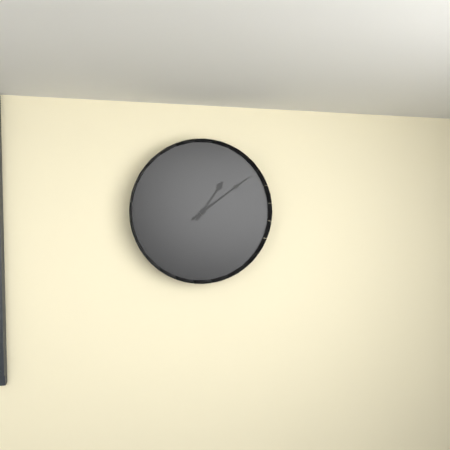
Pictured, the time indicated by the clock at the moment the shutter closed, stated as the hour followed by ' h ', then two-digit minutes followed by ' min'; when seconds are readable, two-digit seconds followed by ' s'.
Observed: 1 h 09 min
